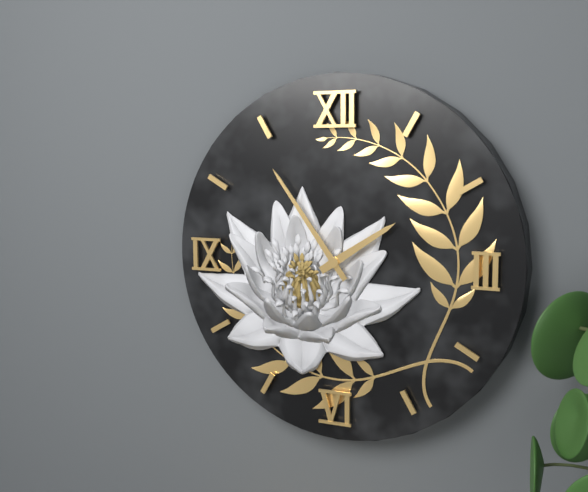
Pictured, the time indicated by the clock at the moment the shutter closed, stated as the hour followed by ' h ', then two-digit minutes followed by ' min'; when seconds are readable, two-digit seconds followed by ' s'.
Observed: 1 h 54 min
